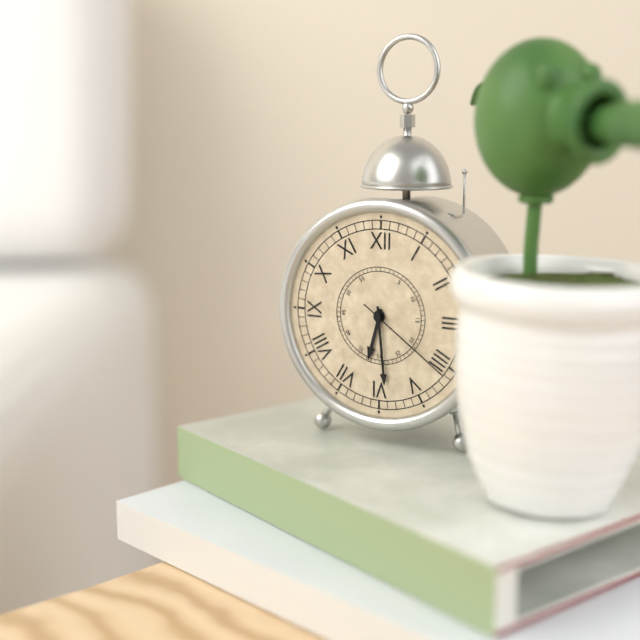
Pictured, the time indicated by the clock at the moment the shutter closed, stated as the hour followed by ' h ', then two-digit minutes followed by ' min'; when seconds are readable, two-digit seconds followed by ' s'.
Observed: 6 h 29 min 21 s
